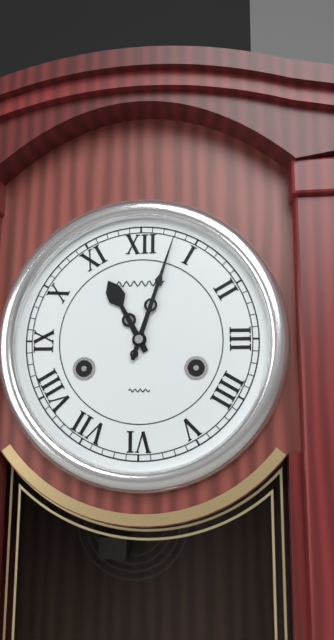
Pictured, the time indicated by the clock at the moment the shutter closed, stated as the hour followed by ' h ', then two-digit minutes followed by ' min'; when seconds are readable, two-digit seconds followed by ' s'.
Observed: 11 h 03 min
